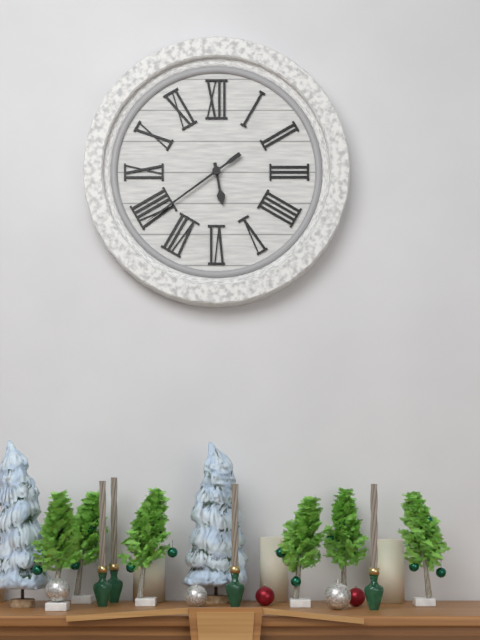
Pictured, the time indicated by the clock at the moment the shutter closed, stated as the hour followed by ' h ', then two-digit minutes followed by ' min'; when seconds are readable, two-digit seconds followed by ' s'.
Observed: 5 h 39 min
